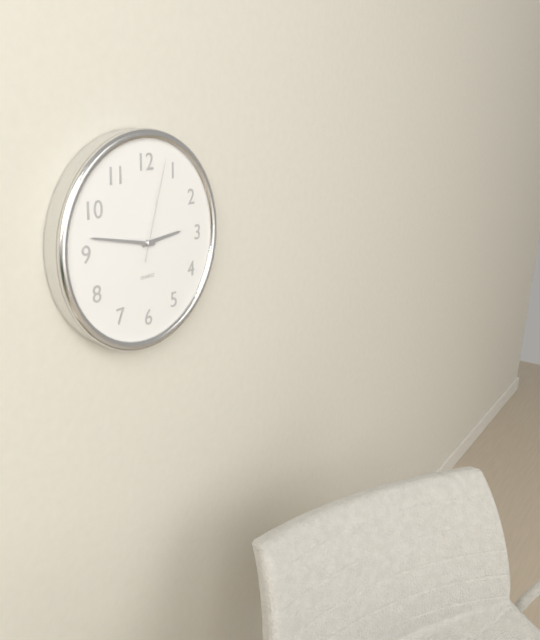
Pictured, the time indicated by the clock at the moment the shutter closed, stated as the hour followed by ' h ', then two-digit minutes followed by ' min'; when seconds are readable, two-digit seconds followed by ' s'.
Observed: 2 h 47 min 03 s
